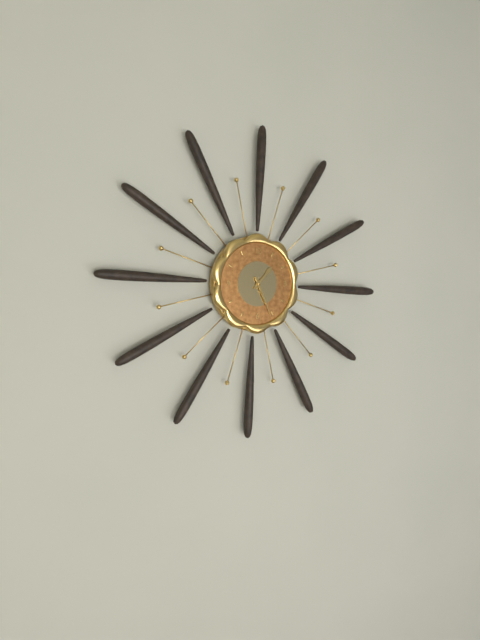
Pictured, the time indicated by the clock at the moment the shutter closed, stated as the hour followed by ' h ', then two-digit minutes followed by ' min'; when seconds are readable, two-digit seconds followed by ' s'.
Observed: 1 h 26 min
